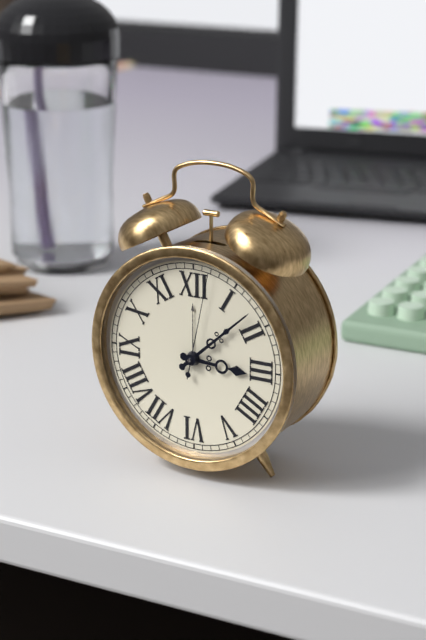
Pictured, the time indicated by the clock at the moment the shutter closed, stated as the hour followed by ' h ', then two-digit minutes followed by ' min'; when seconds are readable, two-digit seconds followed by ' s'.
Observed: 3 h 08 min 02 s
